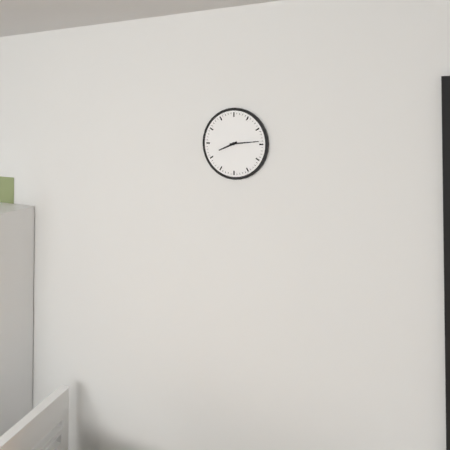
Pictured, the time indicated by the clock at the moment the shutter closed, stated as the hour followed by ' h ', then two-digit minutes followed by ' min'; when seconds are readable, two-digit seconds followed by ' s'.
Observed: 8 h 14 min
